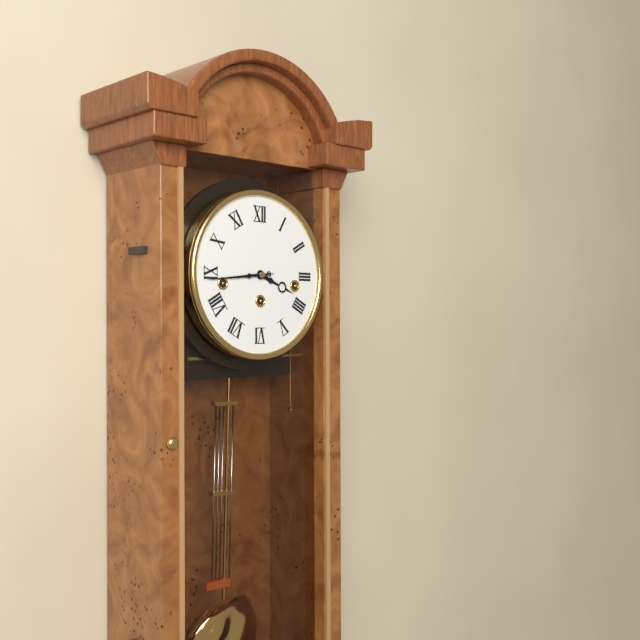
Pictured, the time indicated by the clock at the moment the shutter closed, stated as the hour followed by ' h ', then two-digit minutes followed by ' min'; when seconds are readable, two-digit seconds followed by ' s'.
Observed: 3 h 44 min
